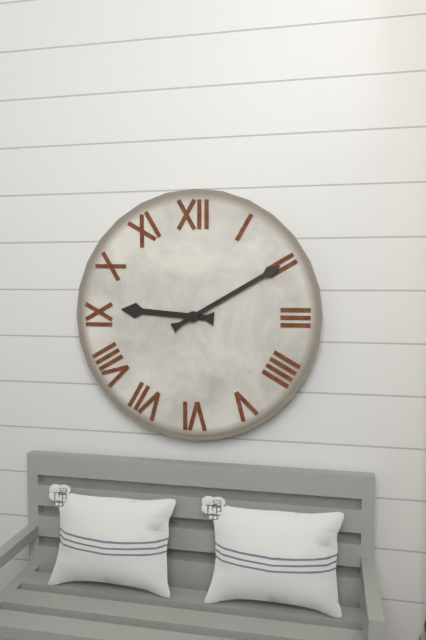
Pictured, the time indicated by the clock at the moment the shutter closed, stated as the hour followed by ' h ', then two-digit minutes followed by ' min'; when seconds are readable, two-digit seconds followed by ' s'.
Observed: 9 h 10 min
